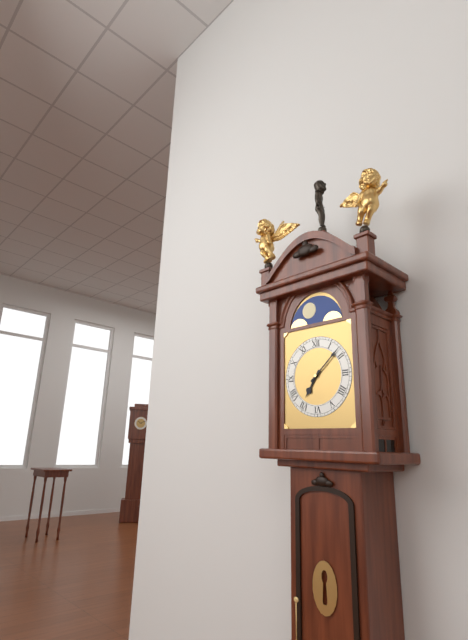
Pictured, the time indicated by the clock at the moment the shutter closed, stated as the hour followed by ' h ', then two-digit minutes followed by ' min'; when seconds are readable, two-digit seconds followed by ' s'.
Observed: 7 h 08 min
